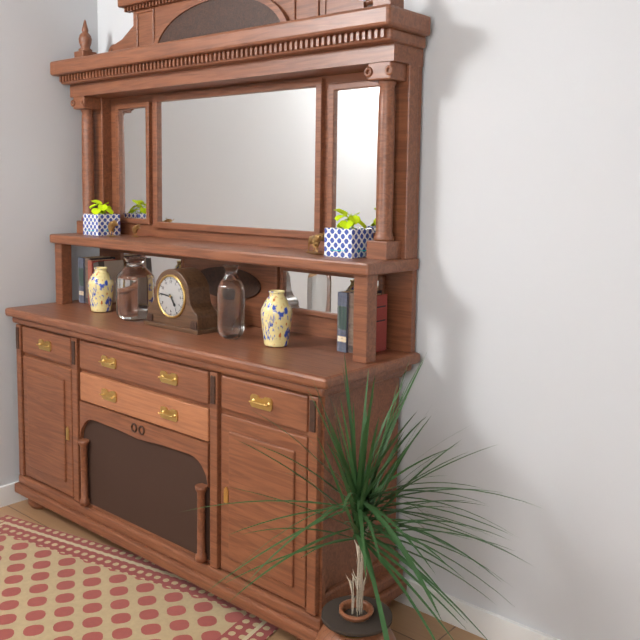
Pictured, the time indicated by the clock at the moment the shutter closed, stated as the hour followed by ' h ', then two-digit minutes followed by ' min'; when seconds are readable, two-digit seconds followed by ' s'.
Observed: 4 h 46 min
